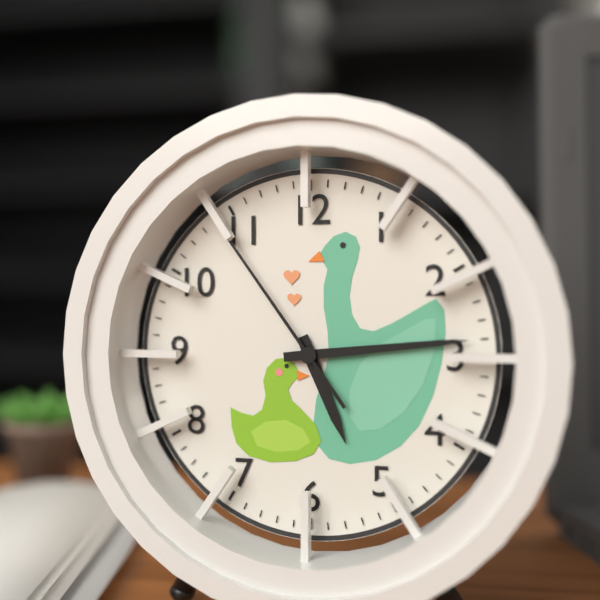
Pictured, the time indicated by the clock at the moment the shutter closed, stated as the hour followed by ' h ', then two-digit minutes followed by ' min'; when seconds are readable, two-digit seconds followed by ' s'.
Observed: 5 h 14 min 54 s
